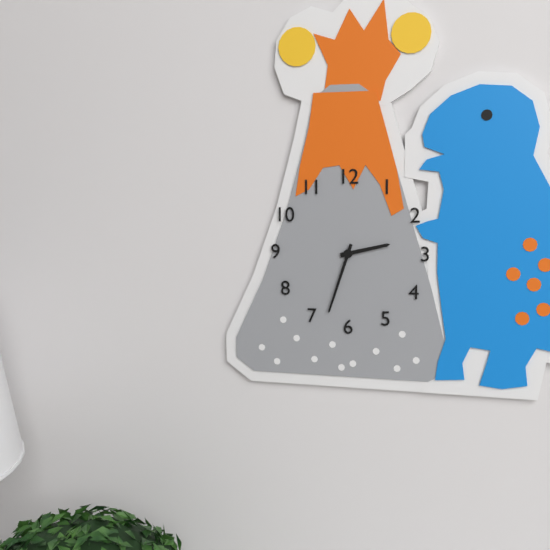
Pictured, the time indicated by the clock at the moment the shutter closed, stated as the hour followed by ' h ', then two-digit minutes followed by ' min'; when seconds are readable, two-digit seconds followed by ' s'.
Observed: 2 h 33 min
